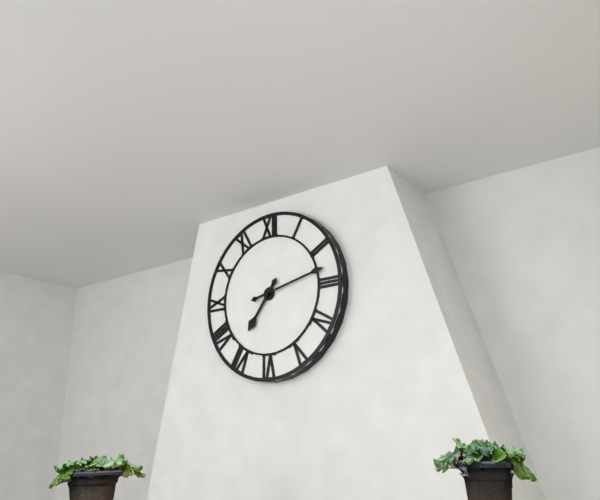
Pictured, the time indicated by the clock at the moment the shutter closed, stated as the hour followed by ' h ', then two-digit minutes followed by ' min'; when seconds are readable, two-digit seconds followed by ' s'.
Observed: 7 h 13 min
